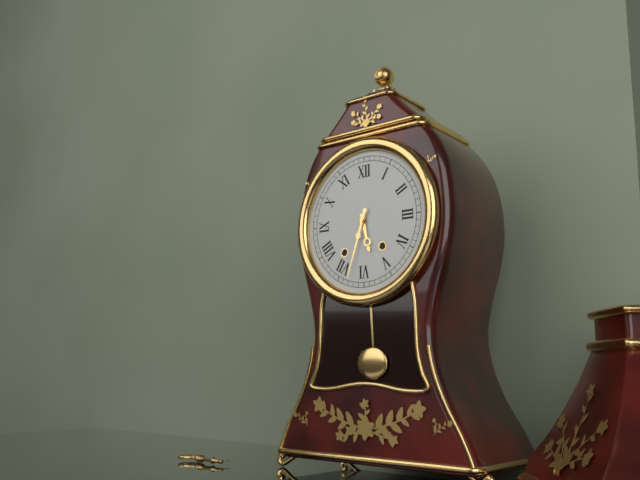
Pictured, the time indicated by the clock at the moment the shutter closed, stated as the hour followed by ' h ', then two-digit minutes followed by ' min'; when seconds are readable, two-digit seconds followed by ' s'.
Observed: 5 h 33 min
